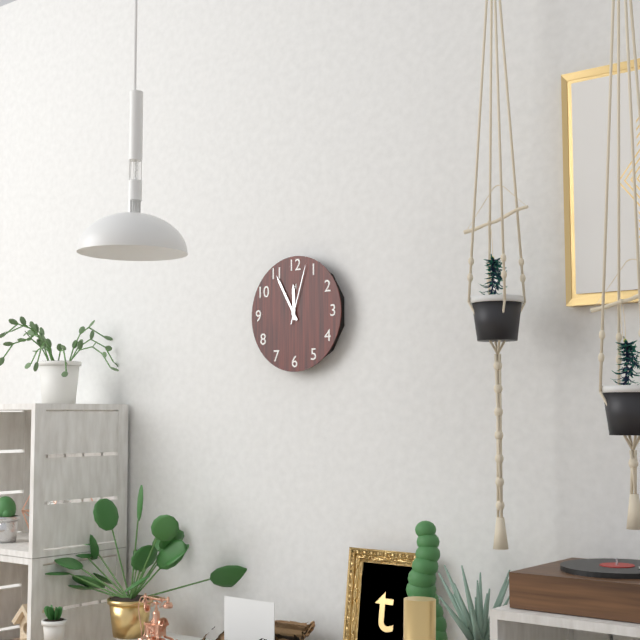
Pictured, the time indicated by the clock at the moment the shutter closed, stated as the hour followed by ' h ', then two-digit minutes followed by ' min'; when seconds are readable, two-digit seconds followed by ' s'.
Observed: 11 h 55 min 03 s
